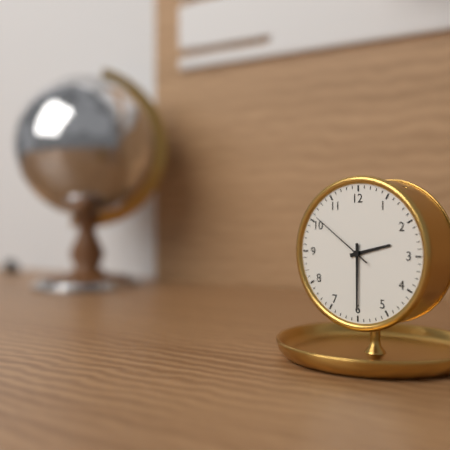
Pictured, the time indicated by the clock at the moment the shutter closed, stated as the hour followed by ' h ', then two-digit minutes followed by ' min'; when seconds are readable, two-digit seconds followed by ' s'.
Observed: 2 h 30 min 51 s
